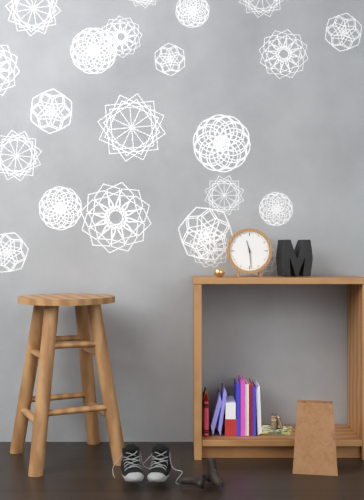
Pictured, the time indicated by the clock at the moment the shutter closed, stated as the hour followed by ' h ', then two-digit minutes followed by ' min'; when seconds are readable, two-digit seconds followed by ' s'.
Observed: 11 h 29 min
